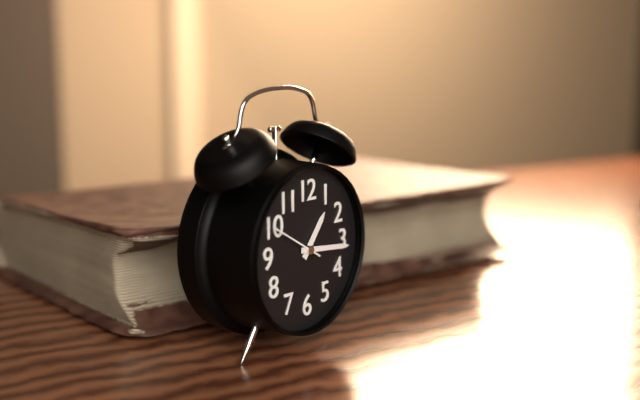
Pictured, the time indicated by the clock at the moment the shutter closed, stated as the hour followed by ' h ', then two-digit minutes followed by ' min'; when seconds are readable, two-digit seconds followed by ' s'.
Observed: 1 h 16 min 50 s
